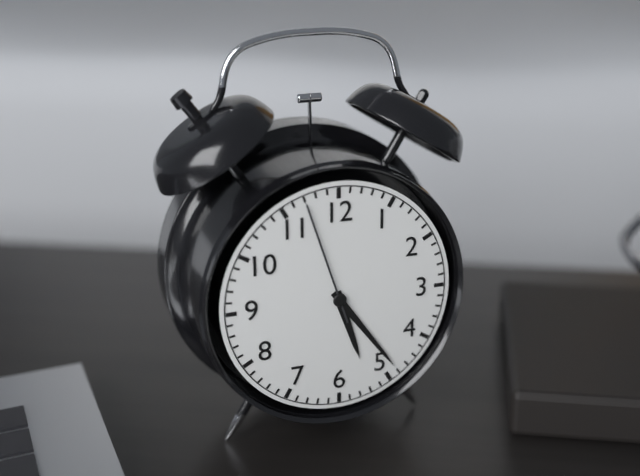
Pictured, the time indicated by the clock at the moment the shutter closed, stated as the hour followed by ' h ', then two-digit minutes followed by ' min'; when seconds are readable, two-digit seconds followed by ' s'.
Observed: 5 h 24 min 57 s
